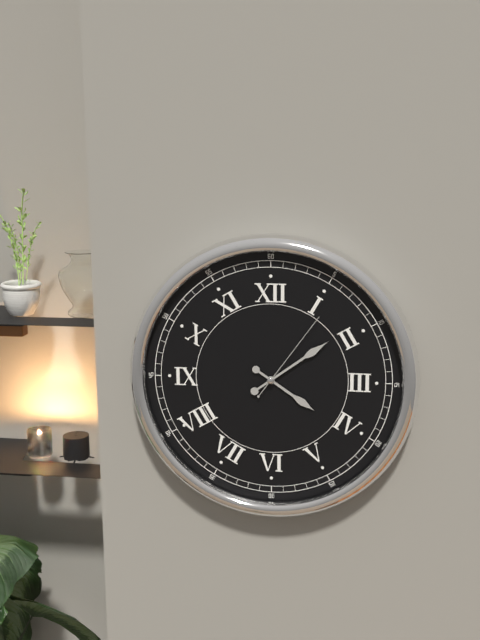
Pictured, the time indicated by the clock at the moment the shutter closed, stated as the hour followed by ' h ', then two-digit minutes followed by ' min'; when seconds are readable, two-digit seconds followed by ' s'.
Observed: 4 h 09 min 06 s
